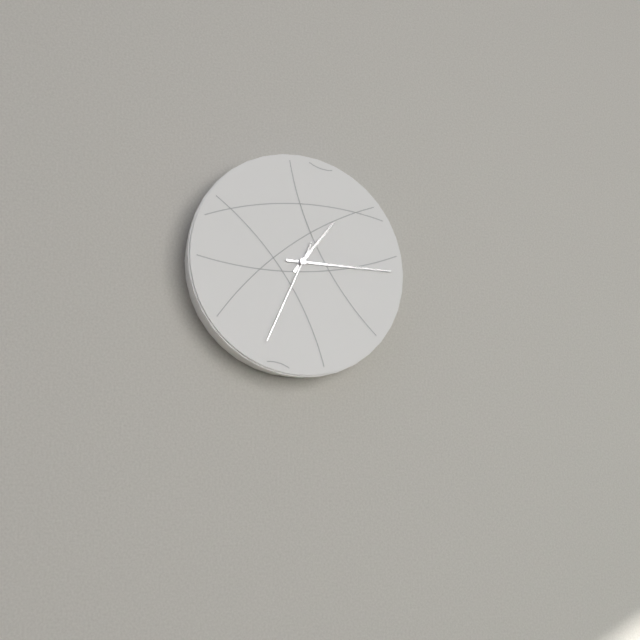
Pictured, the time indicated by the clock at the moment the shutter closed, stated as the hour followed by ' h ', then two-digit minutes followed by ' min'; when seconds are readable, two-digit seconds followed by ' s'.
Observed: 1 h 15 min 34 s
